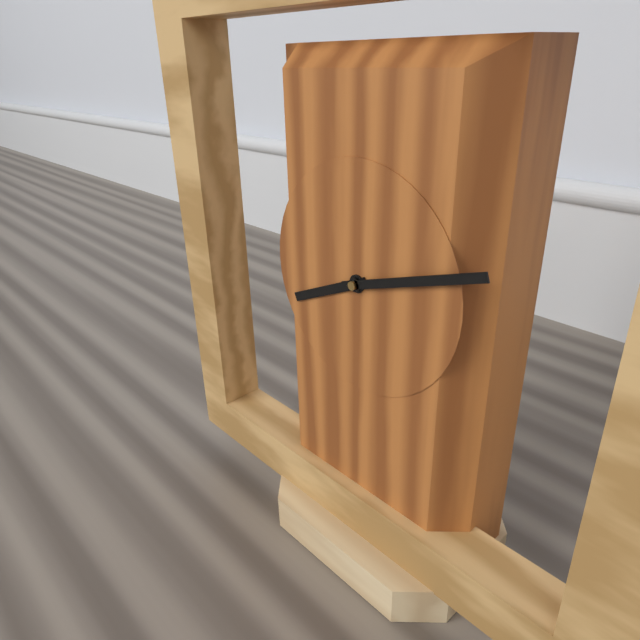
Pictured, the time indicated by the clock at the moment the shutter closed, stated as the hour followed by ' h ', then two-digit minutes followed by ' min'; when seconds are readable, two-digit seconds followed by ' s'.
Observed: 8 h 12 min
